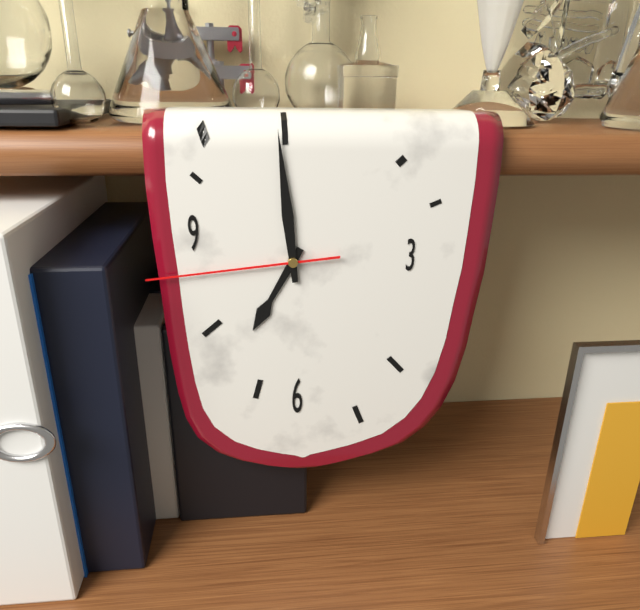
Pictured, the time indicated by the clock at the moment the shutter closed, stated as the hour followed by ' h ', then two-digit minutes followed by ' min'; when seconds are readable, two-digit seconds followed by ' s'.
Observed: 6 h 59 min 44 s
